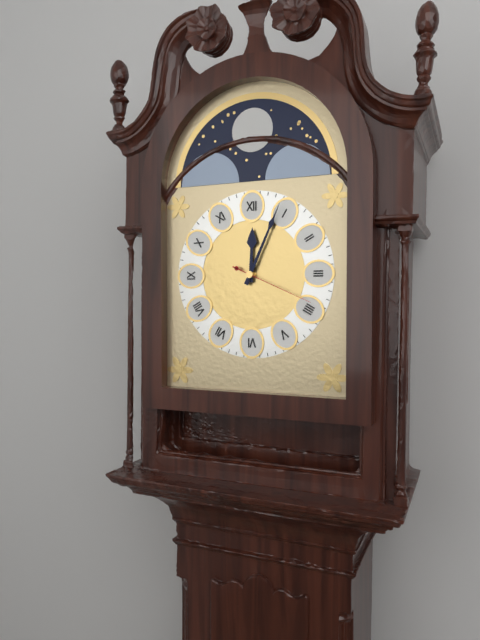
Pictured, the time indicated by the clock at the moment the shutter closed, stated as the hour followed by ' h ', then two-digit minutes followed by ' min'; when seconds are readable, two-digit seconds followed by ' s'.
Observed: 12 h 04 min 19 s
